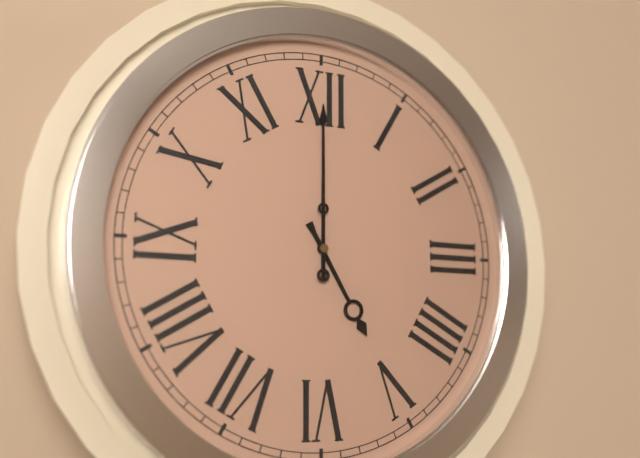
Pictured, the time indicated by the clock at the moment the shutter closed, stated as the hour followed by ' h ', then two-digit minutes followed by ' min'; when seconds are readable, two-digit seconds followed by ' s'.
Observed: 5 h 00 min
